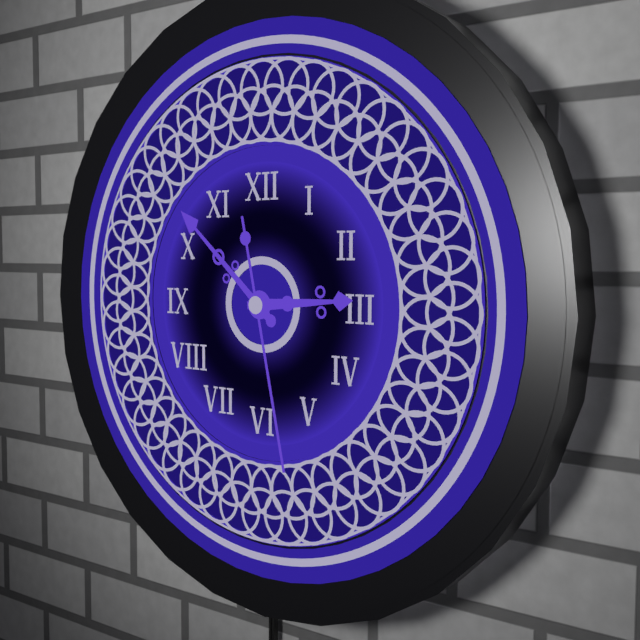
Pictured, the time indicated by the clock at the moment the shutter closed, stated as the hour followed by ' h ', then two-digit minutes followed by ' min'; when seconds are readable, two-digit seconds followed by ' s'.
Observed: 2 h 52 min 28 s
